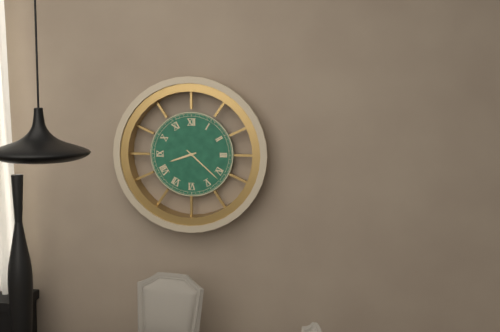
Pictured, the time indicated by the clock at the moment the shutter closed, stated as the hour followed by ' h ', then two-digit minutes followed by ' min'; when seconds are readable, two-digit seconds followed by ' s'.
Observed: 8 h 22 min
